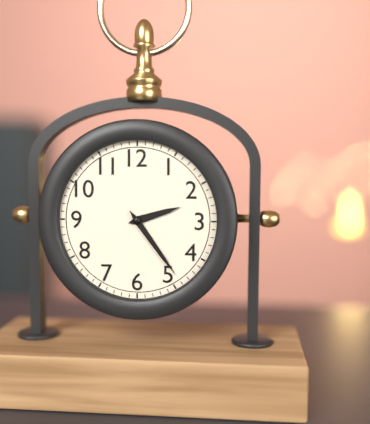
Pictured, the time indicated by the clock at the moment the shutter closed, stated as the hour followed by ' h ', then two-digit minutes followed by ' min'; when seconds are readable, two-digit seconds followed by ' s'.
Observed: 2 h 24 min
